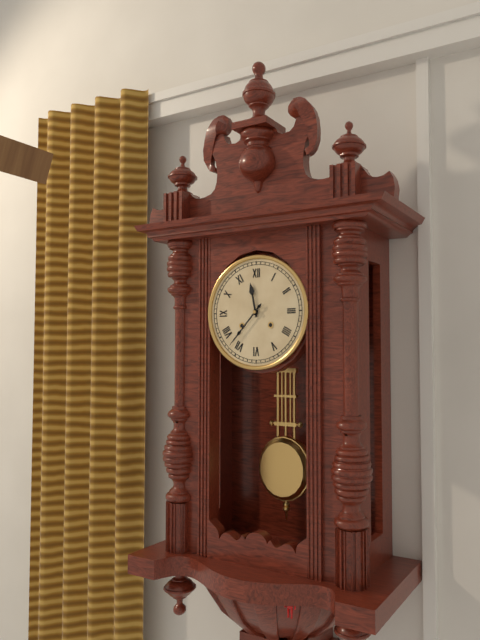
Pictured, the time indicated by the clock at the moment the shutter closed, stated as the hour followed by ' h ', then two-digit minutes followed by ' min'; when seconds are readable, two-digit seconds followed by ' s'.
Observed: 11 h 37 min
